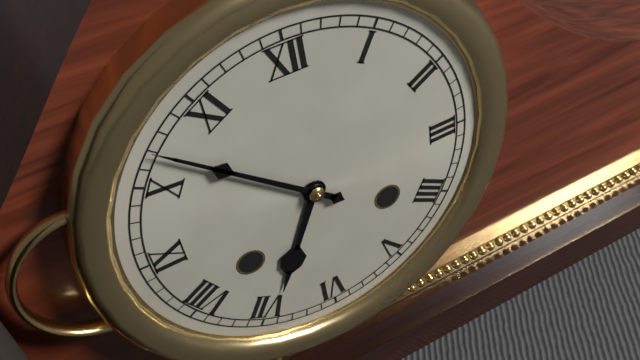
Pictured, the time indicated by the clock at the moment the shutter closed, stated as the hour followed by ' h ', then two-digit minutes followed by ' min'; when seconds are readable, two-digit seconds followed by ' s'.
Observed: 6 h 52 min
